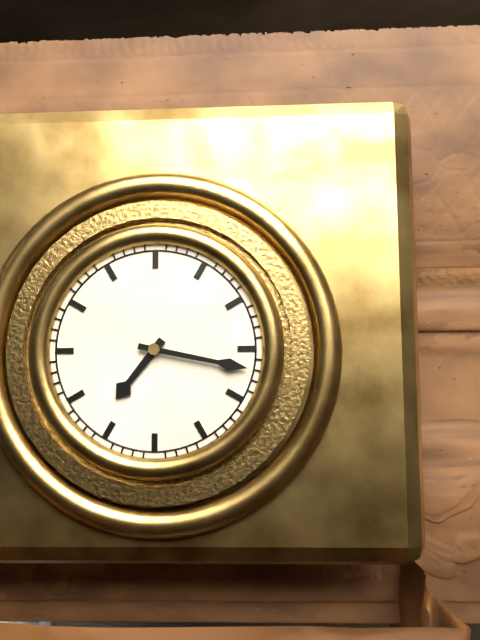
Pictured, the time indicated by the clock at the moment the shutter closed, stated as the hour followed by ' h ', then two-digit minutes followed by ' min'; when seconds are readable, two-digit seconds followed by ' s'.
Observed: 7 h 17 min
